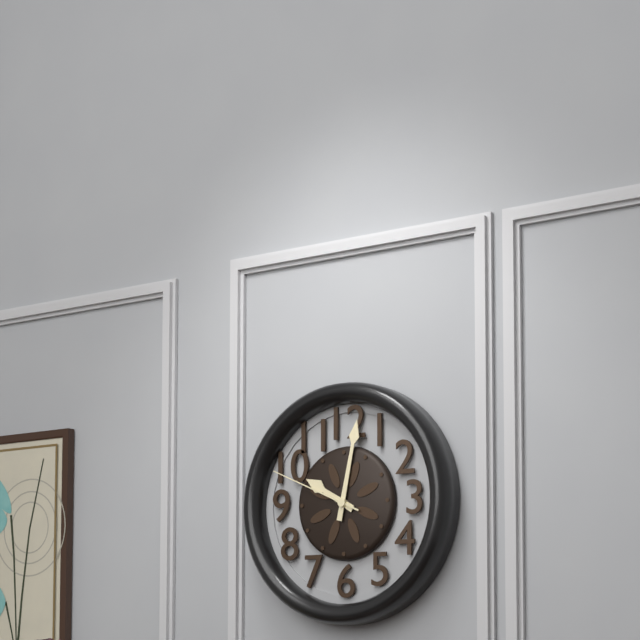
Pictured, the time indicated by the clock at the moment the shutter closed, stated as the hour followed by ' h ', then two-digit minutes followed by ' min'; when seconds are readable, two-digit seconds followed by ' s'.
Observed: 10 h 02 min 49 s
